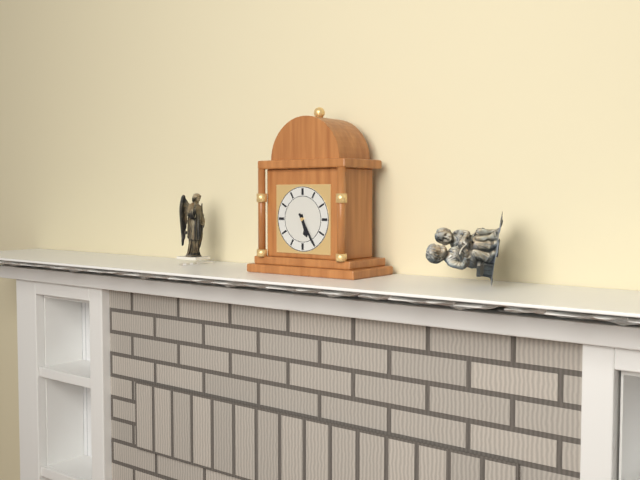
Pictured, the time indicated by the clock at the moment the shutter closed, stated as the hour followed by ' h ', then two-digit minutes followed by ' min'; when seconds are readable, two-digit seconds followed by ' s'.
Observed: 5 h 25 min
